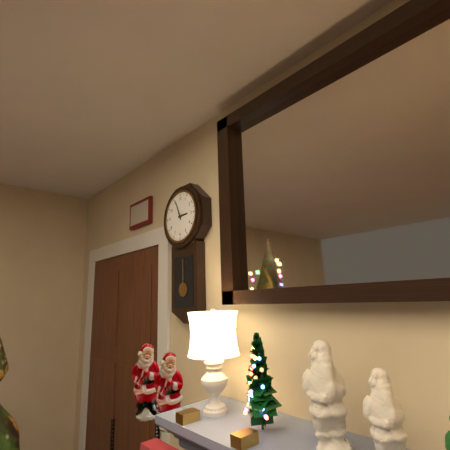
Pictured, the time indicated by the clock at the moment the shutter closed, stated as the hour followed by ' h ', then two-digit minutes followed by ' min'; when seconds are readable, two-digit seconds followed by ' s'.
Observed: 2 h 56 min
